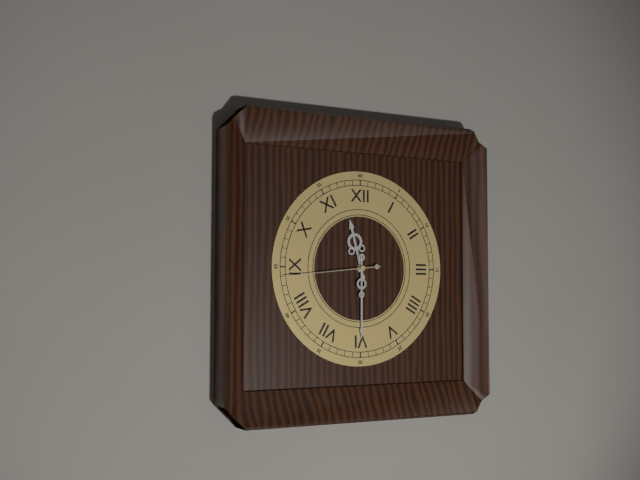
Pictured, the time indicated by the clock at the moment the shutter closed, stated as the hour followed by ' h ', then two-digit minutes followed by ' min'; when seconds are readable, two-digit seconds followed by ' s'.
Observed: 11 h 30 min 44 s
